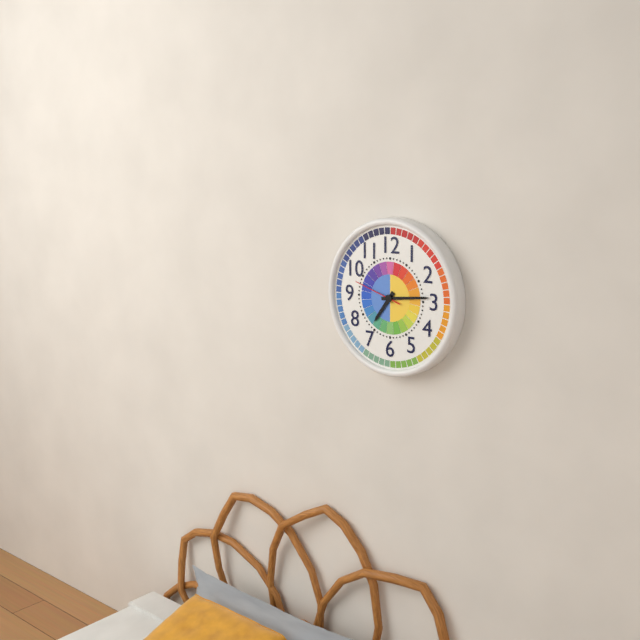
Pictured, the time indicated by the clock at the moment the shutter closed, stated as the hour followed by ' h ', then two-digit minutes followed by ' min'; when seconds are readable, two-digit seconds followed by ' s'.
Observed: 7 h 14 min
